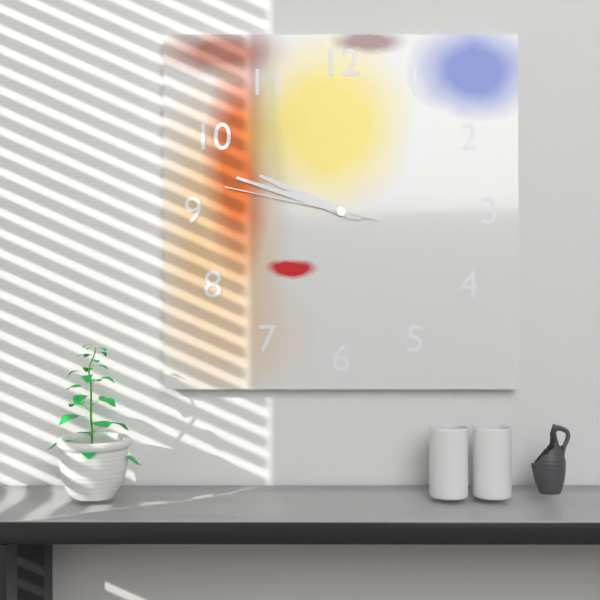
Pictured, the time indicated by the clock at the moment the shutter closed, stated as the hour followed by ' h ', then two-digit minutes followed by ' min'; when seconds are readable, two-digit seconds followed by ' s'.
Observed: 9 h 48 min 47 s
